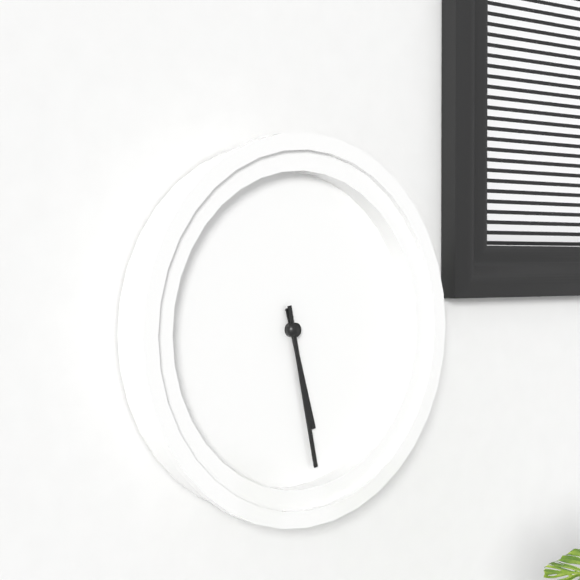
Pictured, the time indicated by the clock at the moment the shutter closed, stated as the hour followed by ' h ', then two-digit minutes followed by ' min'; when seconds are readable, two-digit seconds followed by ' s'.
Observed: 5 h 28 min
